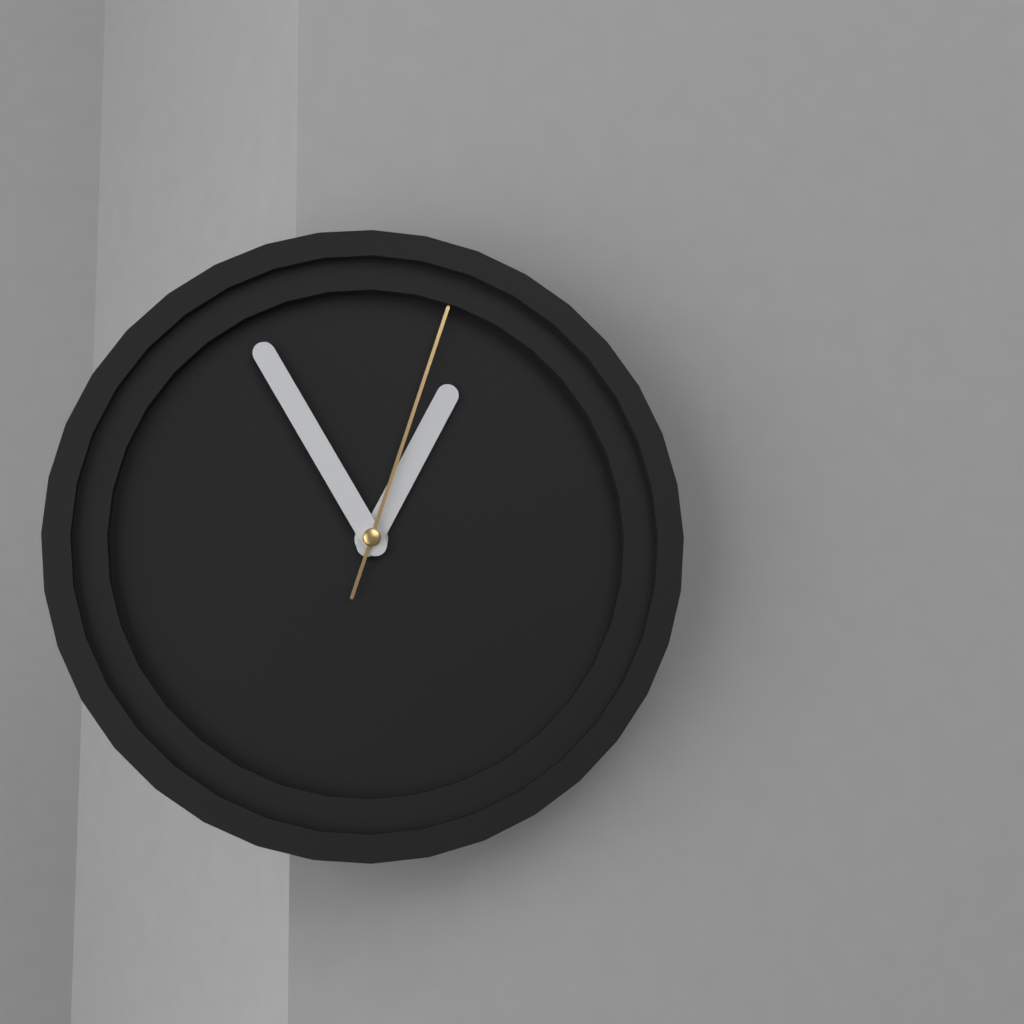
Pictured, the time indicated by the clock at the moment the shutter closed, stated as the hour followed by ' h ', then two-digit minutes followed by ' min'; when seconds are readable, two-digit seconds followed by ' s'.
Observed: 12 h 55 min 03 s
